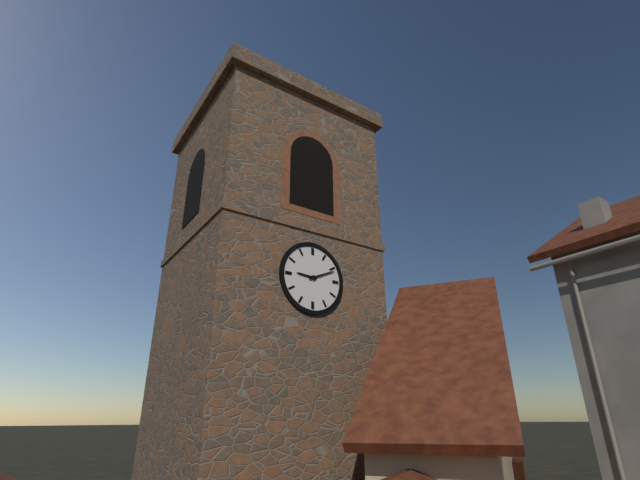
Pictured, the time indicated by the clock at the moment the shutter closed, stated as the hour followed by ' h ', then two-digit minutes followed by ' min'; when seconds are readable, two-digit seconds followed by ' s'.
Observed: 9 h 11 min
